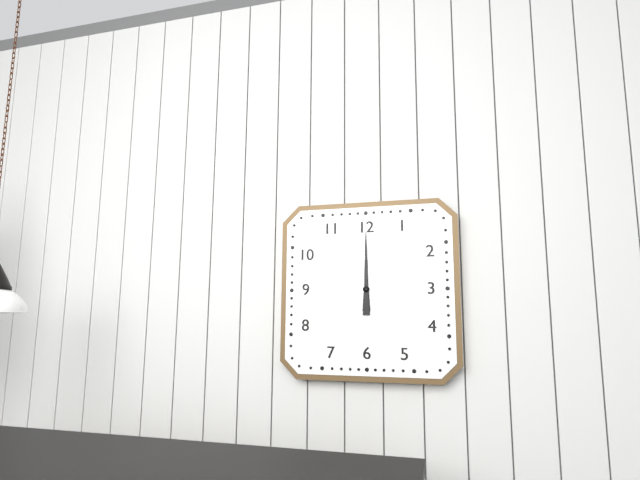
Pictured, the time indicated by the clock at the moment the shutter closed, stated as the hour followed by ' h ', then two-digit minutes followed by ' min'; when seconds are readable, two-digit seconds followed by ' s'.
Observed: 12 h 00 min
